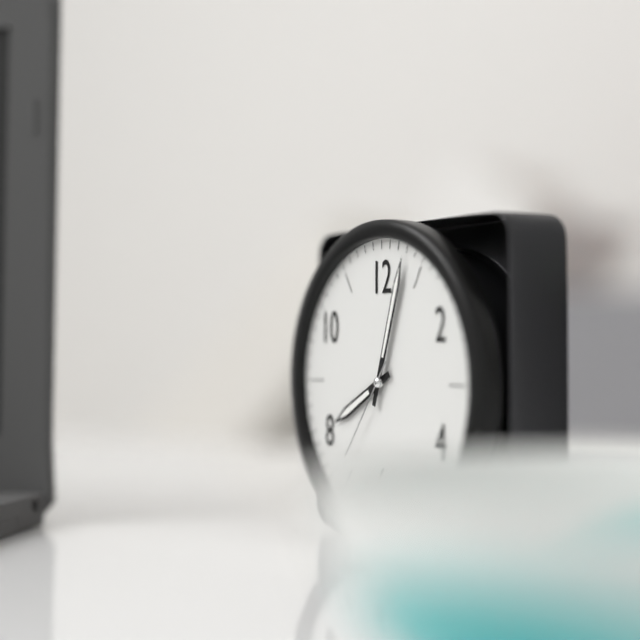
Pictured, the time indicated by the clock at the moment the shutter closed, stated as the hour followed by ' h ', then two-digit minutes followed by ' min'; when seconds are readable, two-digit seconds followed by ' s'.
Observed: 8 h 03 min 36 s
